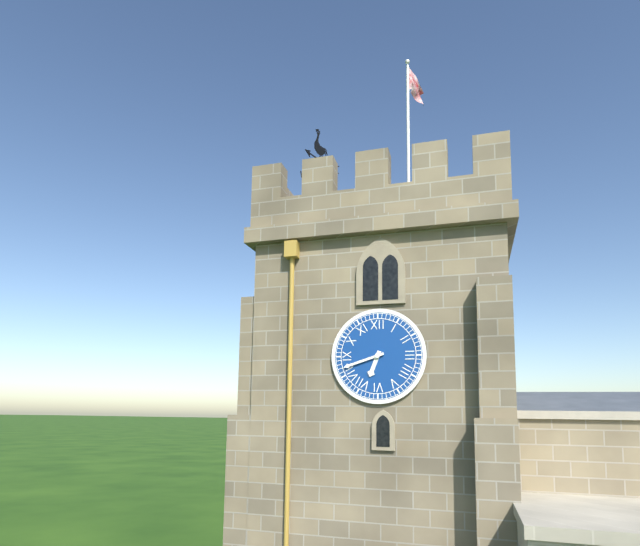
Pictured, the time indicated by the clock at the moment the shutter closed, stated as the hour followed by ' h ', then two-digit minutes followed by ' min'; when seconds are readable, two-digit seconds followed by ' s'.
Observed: 6 h 42 min
